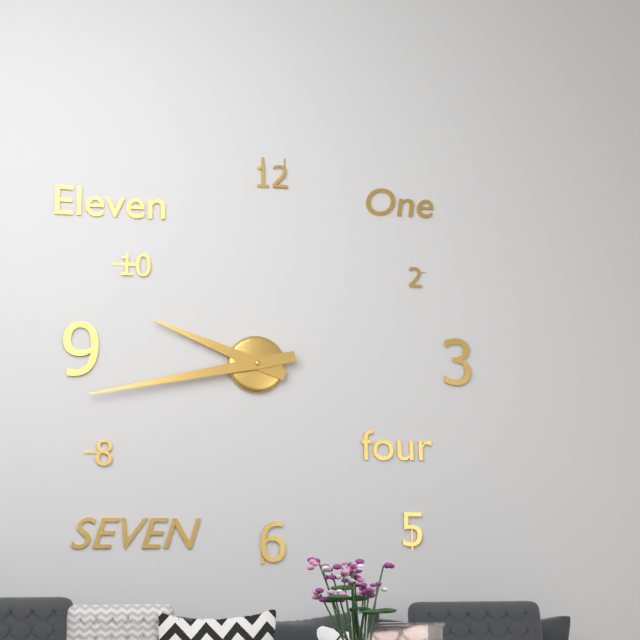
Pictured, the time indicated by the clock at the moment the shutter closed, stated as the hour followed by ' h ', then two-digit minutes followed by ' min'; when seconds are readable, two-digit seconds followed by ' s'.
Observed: 9 h 43 min
